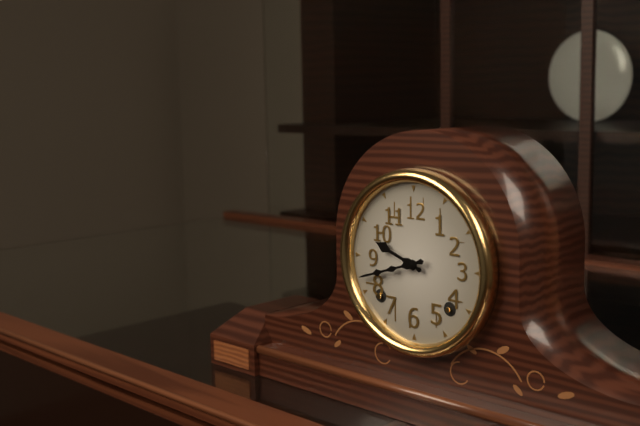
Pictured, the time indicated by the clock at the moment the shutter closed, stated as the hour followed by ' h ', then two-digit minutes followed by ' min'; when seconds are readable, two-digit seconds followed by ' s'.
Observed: 9 h 42 min
